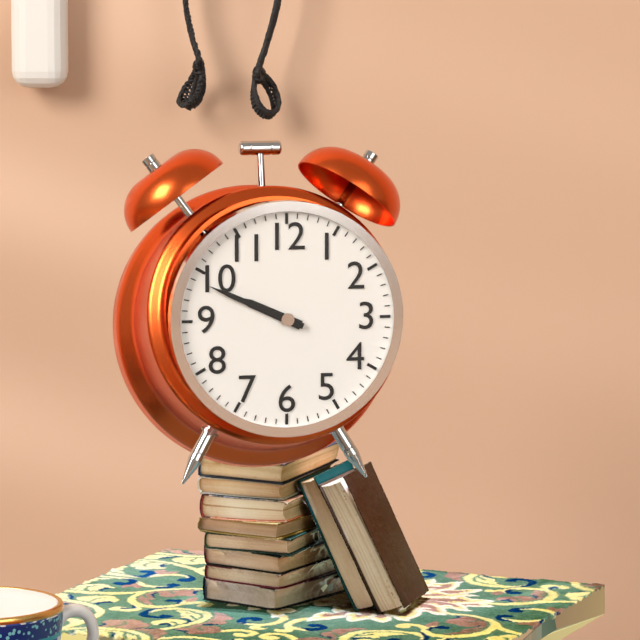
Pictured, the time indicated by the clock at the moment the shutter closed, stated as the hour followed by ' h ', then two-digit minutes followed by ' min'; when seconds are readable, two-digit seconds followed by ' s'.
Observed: 9 h 49 min
